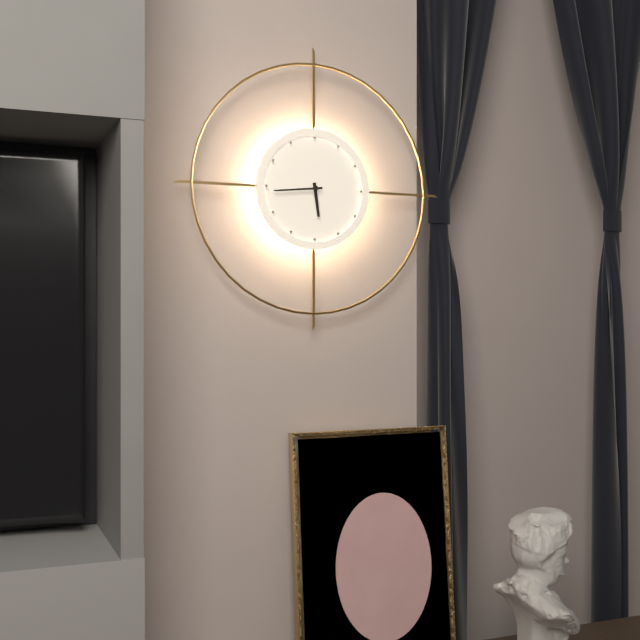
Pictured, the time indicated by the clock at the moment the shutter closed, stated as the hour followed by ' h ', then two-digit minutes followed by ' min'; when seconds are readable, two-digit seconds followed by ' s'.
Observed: 5 h 44 min
